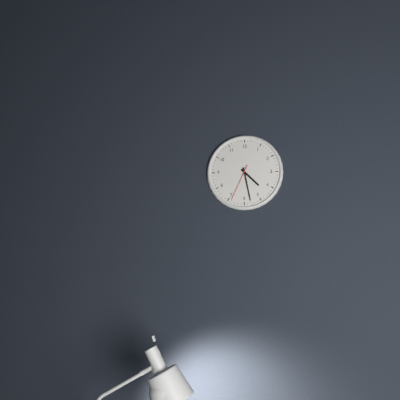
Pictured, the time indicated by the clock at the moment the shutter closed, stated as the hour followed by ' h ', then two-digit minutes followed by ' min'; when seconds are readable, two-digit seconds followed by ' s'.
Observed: 4 h 28 min
